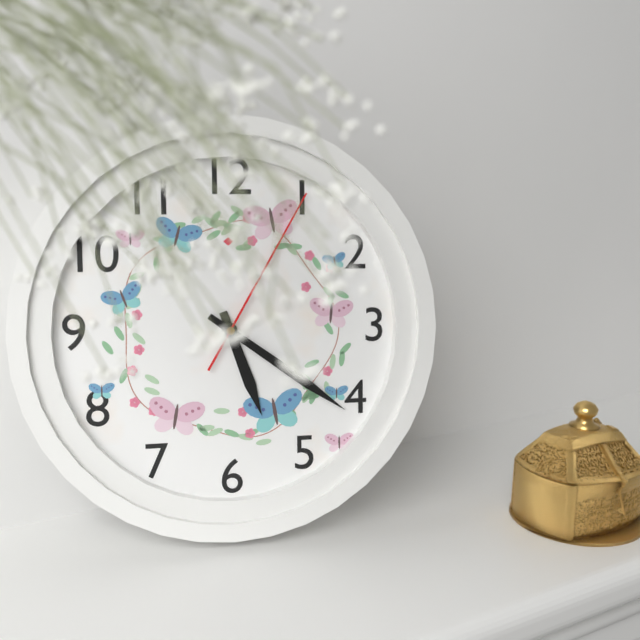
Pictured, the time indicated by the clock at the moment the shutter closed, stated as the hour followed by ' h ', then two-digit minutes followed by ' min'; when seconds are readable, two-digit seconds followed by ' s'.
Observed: 5 h 21 min 05 s
